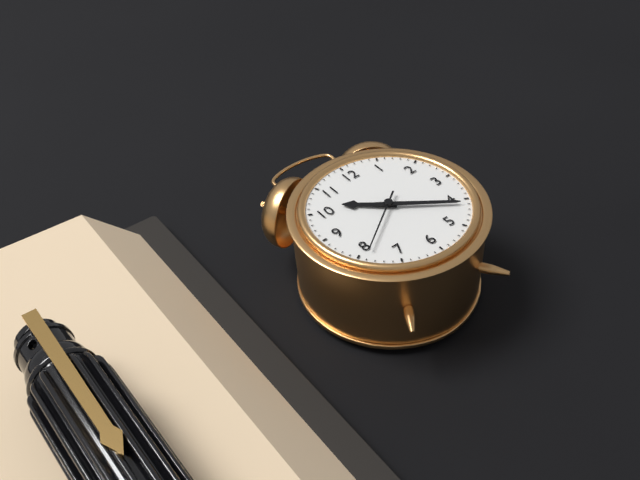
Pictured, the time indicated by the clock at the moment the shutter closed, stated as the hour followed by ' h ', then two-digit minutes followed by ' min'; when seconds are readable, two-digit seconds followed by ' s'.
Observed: 10 h 21 min 39 s
